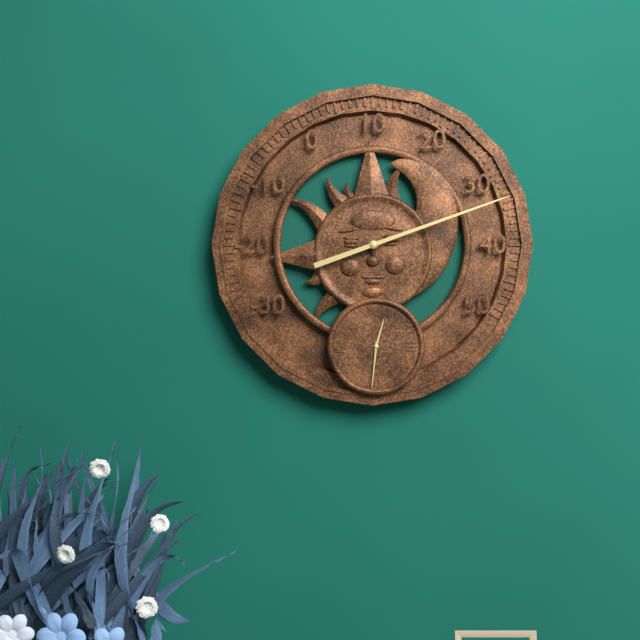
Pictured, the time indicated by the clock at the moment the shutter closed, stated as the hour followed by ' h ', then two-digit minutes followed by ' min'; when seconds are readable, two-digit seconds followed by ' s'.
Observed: 12 h 31 min
